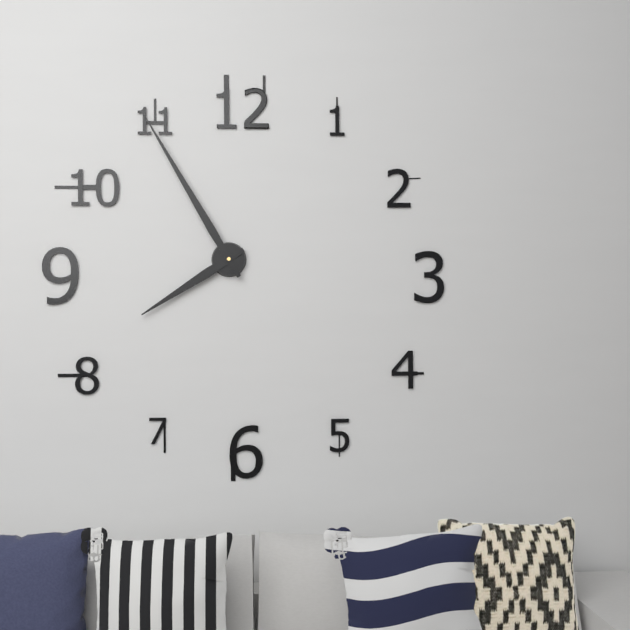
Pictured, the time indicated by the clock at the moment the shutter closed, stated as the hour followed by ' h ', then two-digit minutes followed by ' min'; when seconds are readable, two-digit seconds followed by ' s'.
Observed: 7 h 55 min
